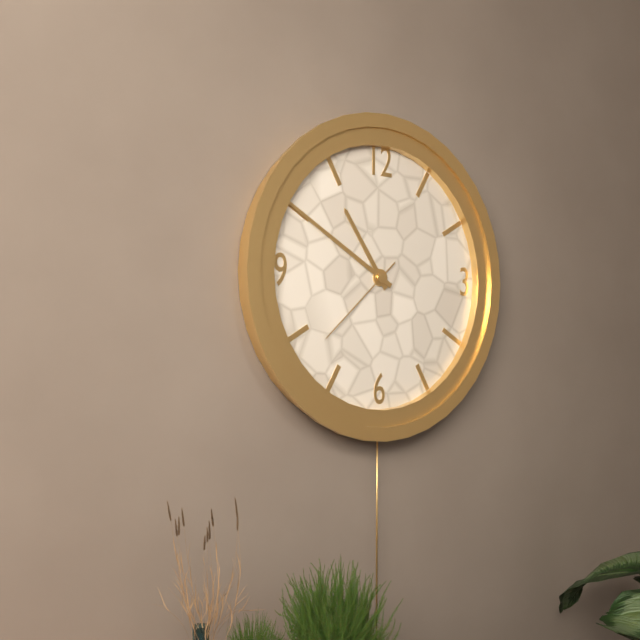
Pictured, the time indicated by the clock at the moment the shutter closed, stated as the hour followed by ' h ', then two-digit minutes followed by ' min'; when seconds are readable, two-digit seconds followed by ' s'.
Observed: 10 h 50 min 38 s
